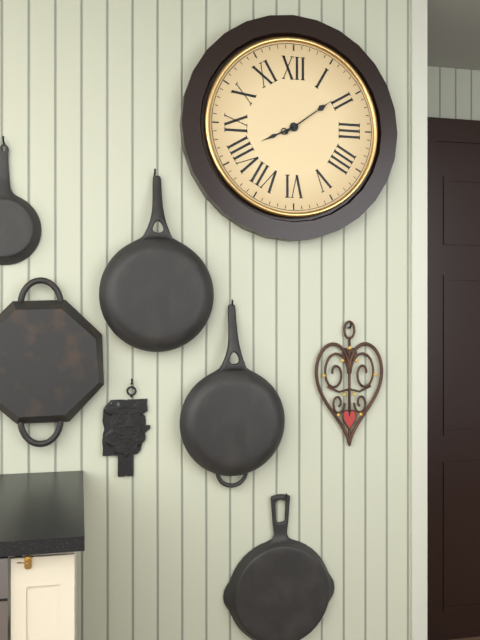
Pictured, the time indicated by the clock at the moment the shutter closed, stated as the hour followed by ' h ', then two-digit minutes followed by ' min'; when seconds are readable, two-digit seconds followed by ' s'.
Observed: 8 h 09 min
